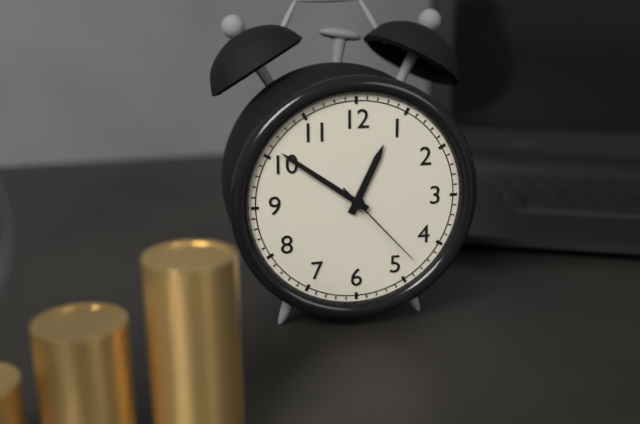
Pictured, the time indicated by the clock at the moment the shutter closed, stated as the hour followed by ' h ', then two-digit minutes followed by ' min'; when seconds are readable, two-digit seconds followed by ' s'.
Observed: 12 h 51 min 23 s
